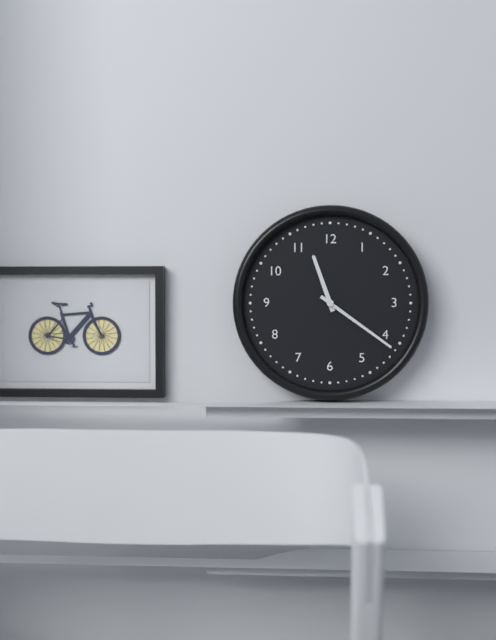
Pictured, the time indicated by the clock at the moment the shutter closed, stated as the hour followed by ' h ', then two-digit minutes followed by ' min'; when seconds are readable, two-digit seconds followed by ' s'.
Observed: 11 h 21 min
